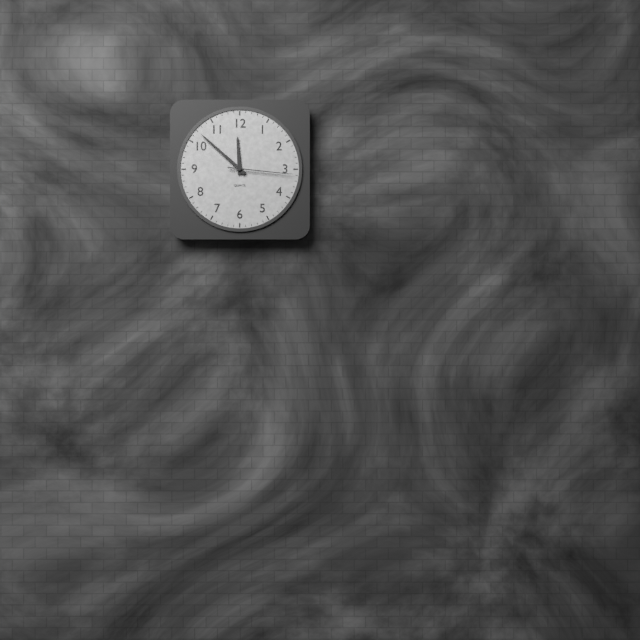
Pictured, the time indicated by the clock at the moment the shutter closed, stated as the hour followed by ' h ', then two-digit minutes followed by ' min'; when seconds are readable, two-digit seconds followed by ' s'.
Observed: 11 h 52 min 16 s
